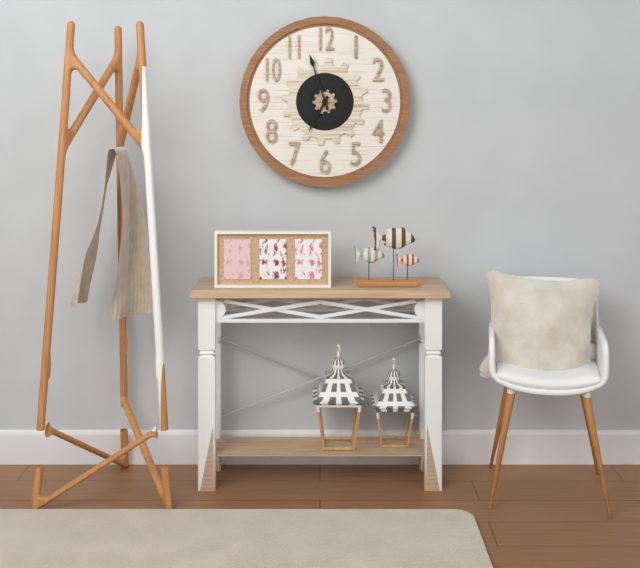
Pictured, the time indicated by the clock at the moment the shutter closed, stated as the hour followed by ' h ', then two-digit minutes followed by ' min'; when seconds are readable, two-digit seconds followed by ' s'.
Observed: 6 h 57 min
